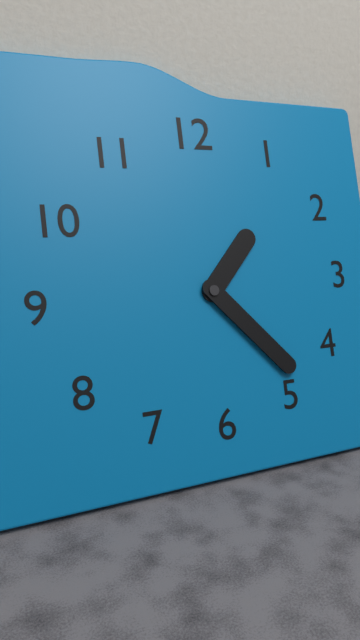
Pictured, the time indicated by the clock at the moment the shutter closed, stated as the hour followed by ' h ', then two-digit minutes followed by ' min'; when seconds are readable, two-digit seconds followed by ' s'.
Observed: 1 h 23 min
